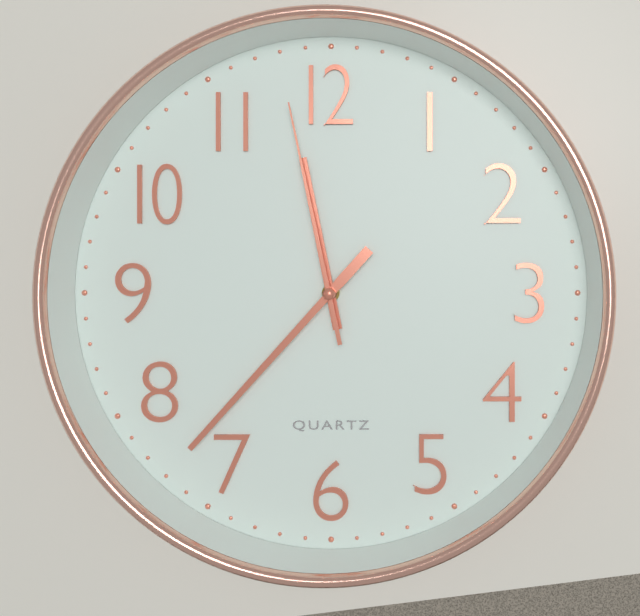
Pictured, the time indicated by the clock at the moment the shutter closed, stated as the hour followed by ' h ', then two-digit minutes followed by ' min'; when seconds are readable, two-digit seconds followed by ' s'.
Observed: 11 h 37 min 58 s
